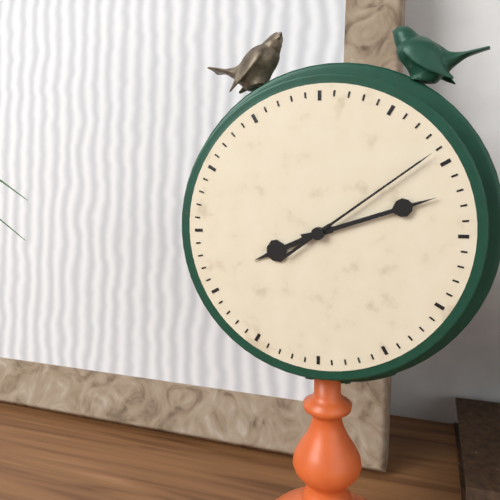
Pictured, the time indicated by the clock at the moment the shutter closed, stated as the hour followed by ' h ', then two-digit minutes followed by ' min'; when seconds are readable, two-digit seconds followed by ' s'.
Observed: 8 h 12 min 09 s
